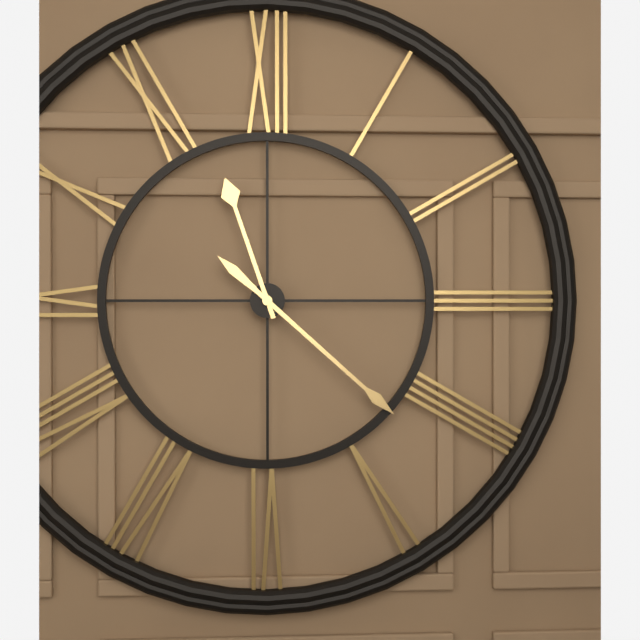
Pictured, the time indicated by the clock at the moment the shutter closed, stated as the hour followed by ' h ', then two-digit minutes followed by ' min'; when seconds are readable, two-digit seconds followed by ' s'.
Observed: 11 h 22 min
